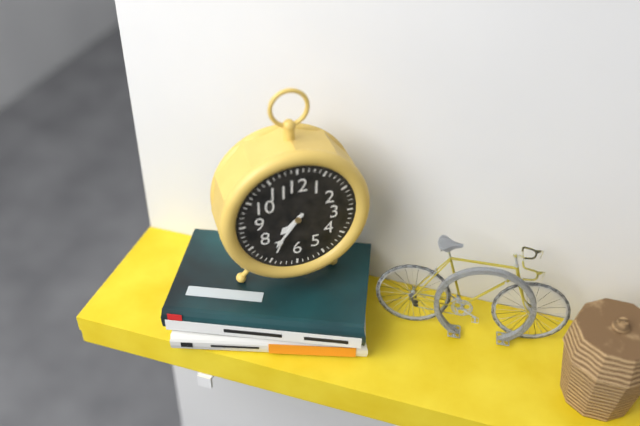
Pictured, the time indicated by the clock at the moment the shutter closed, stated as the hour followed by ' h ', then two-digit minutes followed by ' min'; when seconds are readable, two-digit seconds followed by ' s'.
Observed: 7 h 36 min
